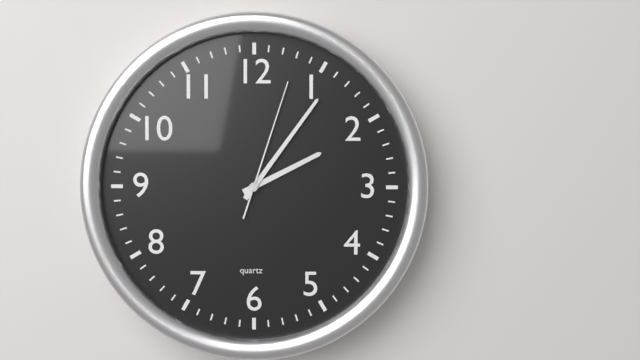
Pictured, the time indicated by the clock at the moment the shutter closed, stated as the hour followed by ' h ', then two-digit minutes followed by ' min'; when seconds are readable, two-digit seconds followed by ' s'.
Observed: 2 h 06 min 03 s
